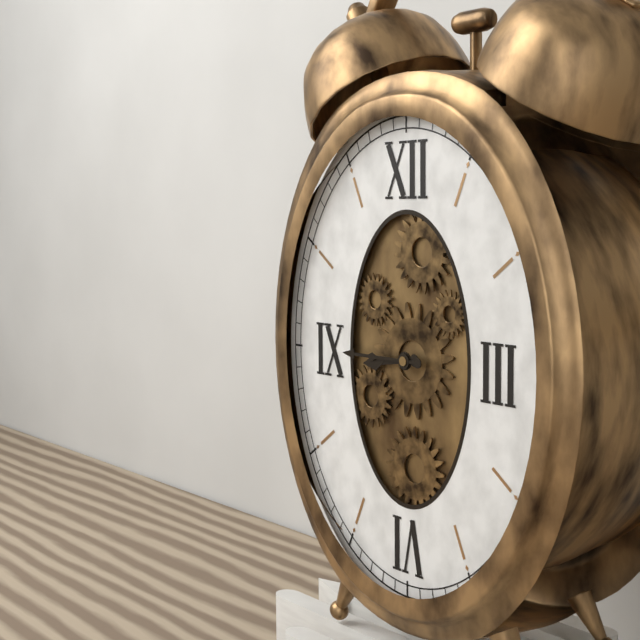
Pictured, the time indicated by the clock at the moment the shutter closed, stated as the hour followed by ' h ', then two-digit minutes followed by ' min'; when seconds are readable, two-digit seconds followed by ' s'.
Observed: 8 h 45 min
